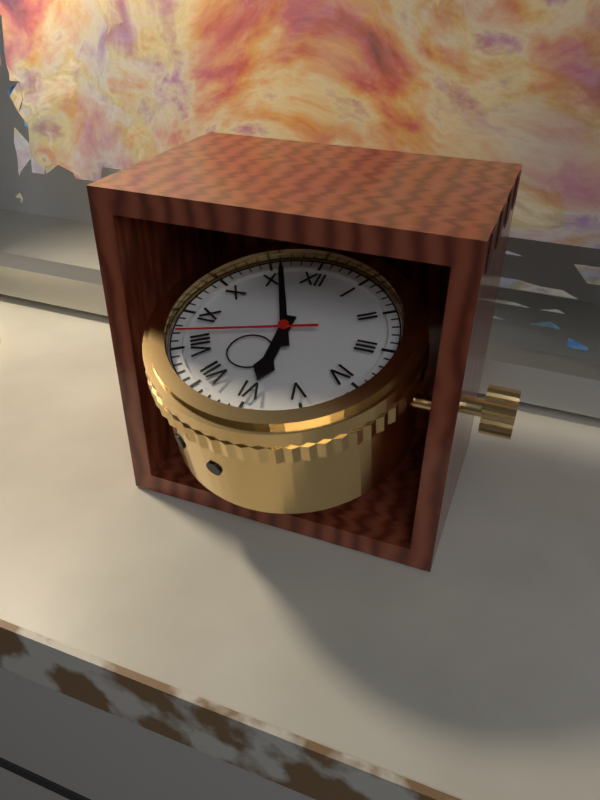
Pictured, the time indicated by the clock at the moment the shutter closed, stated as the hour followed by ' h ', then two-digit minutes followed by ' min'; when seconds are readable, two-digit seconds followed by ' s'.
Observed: 5 h 56 min 42 s
